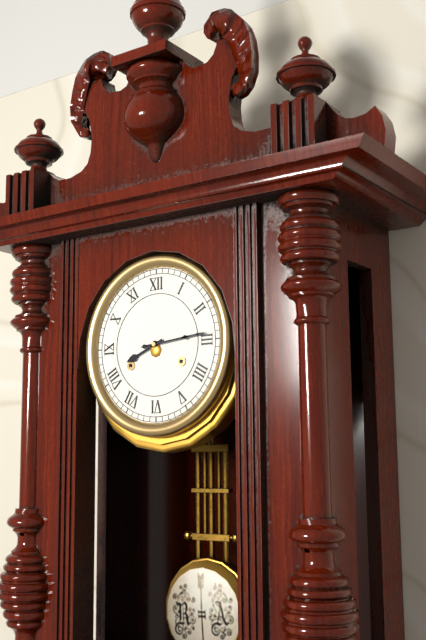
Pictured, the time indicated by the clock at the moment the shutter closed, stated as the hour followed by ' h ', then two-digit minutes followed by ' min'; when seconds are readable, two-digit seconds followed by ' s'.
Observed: 8 h 14 min
